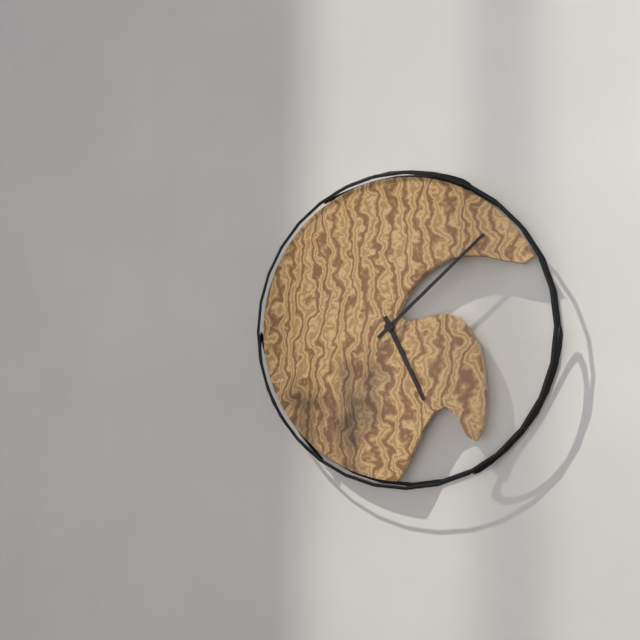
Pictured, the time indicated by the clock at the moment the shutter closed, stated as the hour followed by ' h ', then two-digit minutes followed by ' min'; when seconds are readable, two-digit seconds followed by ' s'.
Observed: 5 h 08 min
